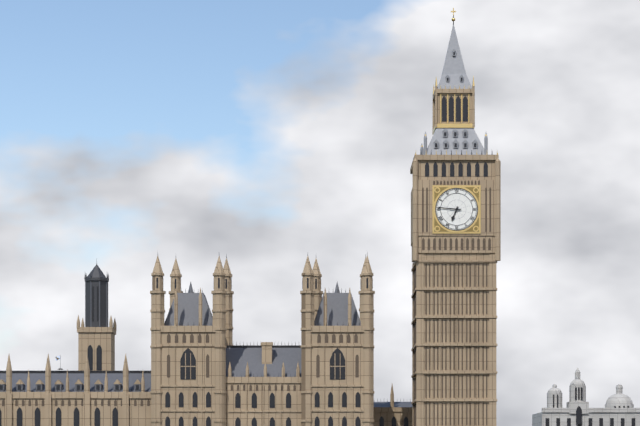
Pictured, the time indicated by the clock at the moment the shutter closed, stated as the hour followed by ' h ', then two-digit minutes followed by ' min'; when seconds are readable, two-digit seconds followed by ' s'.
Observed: 6 h 46 min
